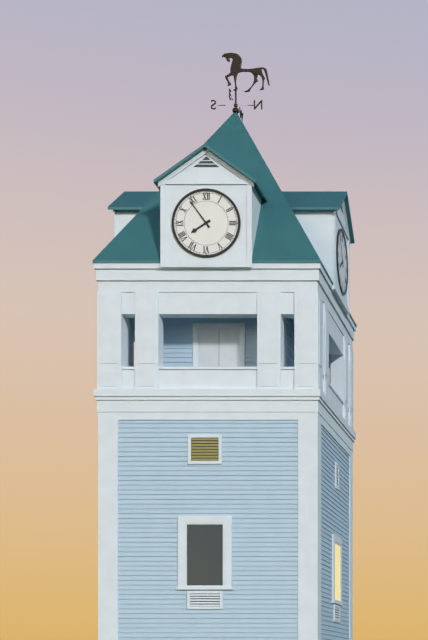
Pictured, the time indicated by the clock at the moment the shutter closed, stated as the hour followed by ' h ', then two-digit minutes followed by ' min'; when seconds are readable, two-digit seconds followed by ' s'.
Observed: 7 h 54 min
